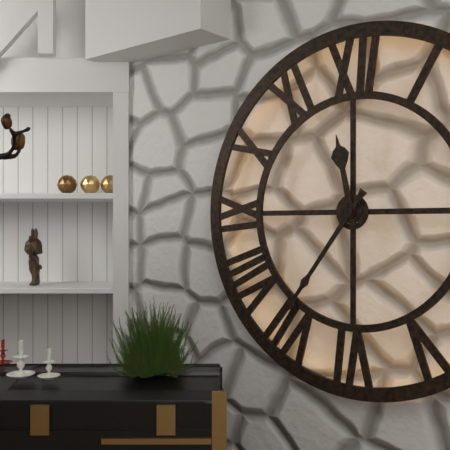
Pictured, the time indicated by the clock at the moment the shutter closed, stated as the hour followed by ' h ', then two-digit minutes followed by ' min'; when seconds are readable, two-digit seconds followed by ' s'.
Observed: 11 h 36 min
